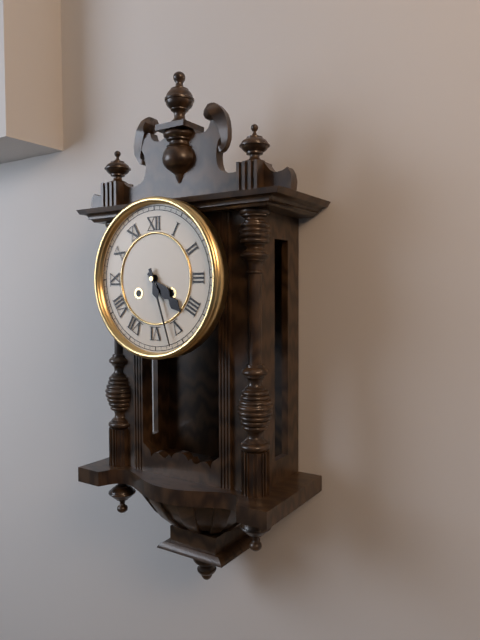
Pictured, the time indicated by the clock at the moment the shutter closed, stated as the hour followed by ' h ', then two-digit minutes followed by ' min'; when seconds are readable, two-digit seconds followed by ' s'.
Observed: 4 h 27 min
